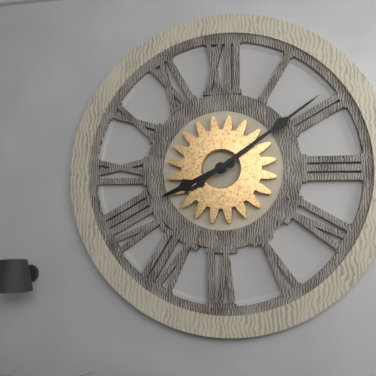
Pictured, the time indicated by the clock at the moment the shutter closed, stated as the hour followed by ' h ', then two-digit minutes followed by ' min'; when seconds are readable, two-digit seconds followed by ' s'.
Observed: 8 h 09 min
